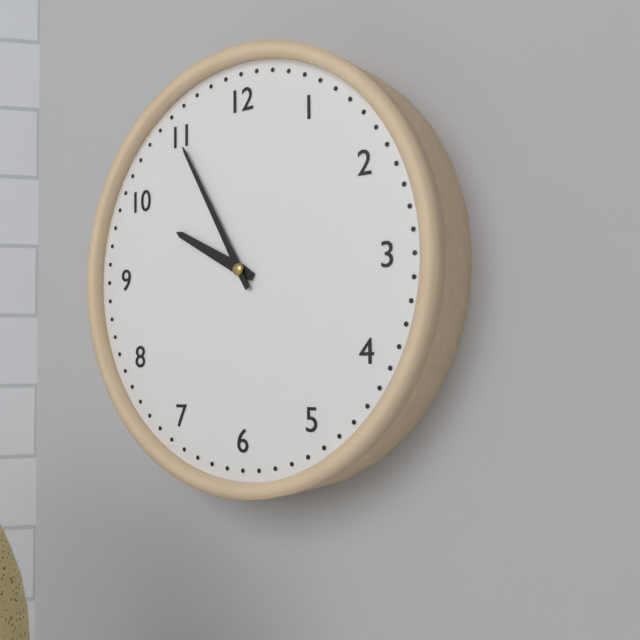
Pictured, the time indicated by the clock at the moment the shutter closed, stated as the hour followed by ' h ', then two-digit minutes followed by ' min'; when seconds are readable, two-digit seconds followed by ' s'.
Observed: 9 h 55 min
